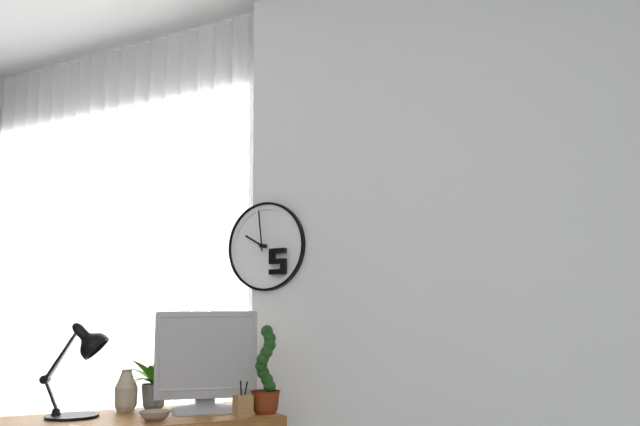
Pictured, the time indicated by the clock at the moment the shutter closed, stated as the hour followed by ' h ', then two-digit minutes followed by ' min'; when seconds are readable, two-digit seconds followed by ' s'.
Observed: 9 h 59 min
